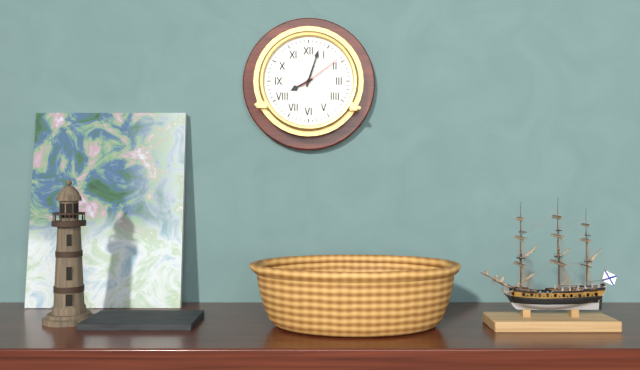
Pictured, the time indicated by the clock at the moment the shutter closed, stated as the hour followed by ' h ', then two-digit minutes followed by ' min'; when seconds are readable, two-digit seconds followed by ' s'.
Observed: 8 h 03 min
